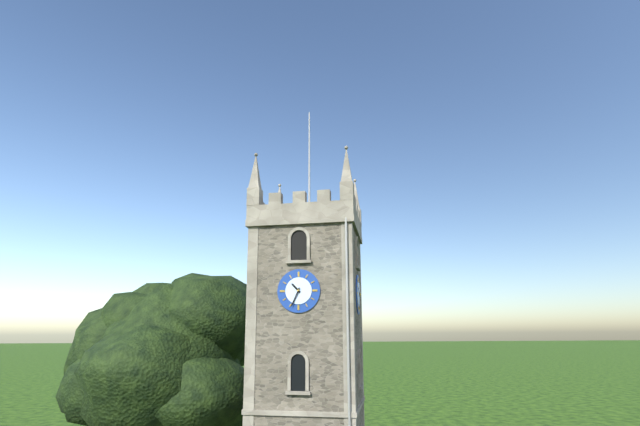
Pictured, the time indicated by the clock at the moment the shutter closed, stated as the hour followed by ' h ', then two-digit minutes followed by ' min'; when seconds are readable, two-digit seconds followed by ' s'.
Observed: 10 h 34 min
